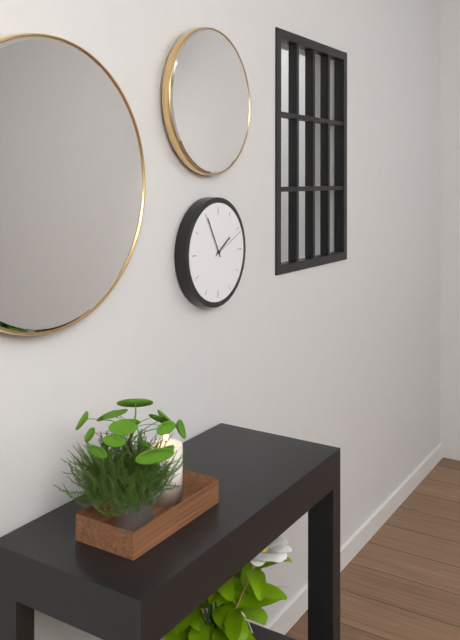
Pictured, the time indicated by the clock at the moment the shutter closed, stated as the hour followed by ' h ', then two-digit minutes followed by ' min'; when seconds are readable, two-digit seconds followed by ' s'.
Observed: 1 h 55 min
